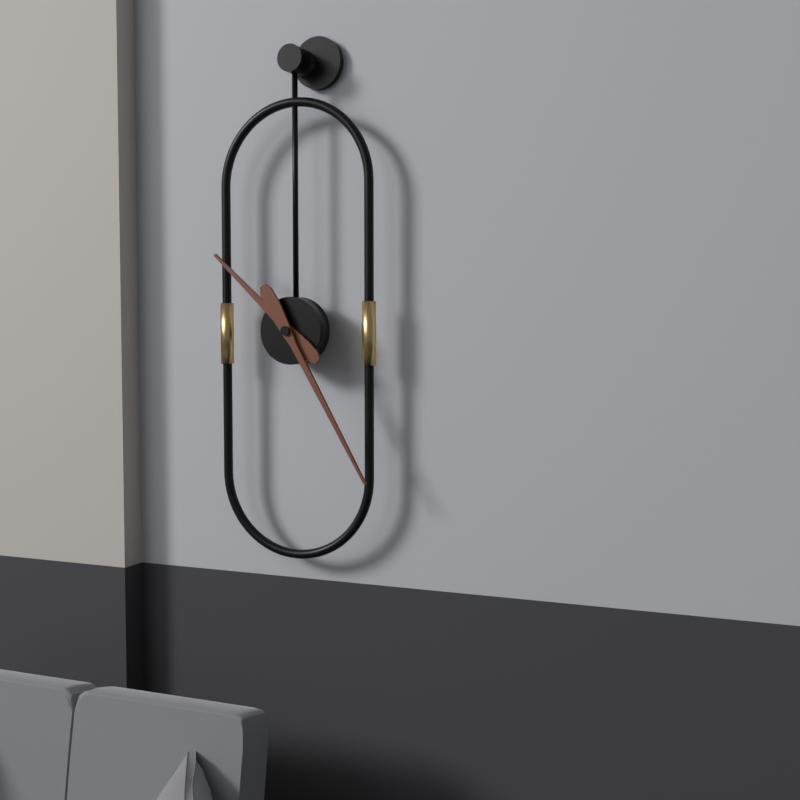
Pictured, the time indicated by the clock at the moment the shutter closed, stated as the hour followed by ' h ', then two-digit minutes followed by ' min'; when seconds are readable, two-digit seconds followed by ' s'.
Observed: 10 h 25 min
